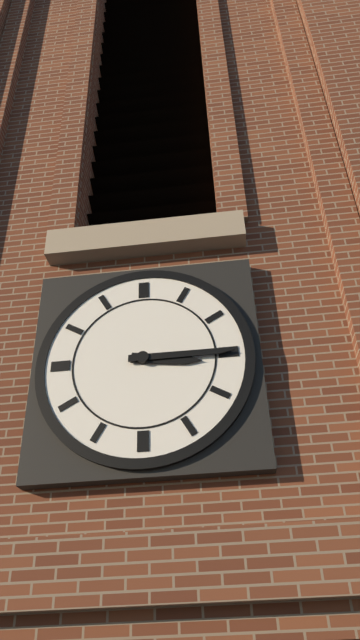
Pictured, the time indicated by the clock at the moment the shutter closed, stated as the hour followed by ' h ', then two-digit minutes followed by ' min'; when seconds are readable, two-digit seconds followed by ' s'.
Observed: 3 h 15 min
